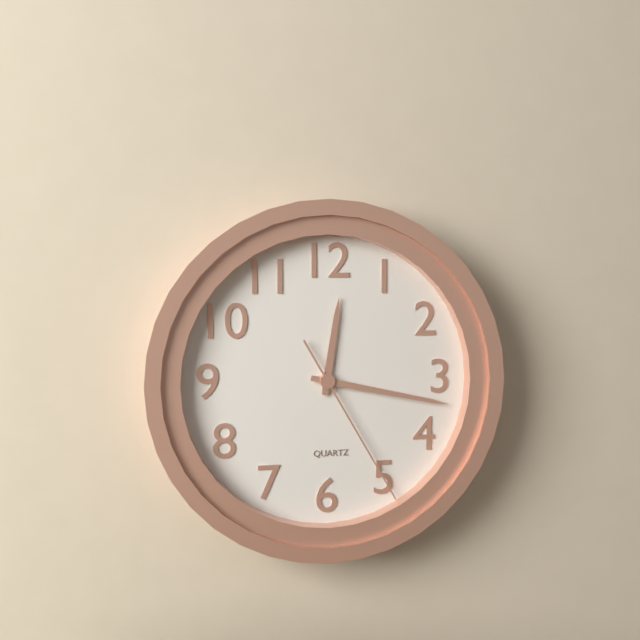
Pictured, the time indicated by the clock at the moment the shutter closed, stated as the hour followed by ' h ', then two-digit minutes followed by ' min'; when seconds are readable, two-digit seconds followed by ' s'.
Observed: 12 h 17 min 25 s
